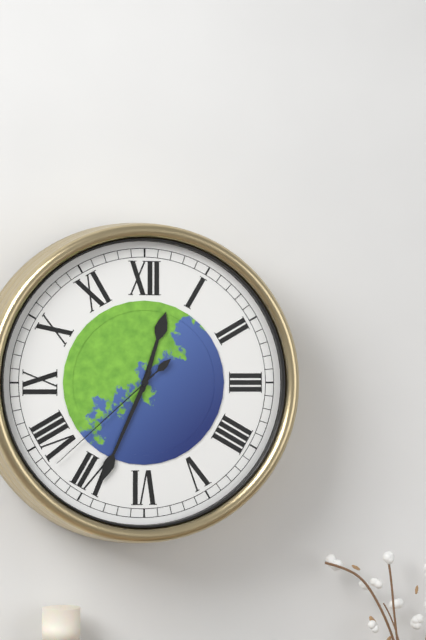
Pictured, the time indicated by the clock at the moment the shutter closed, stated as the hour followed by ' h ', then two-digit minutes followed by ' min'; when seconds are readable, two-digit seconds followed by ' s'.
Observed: 12 h 34 min 38 s
